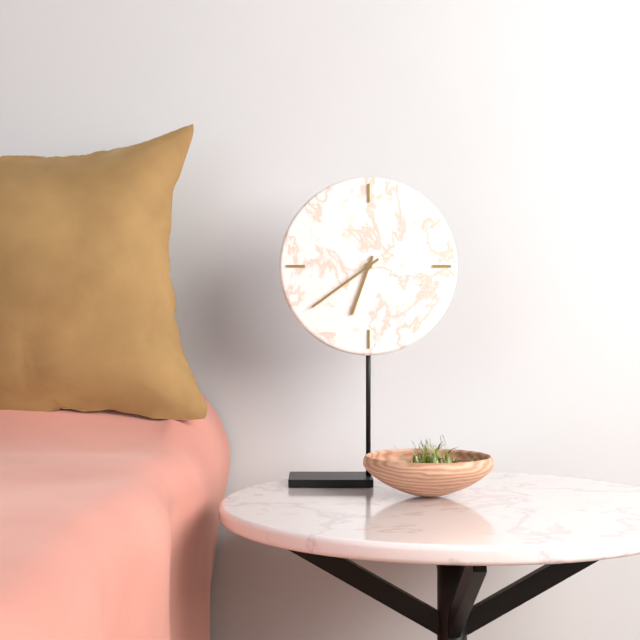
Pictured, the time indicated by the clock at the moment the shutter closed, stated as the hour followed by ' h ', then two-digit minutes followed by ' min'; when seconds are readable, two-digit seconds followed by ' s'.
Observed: 6 h 39 min
